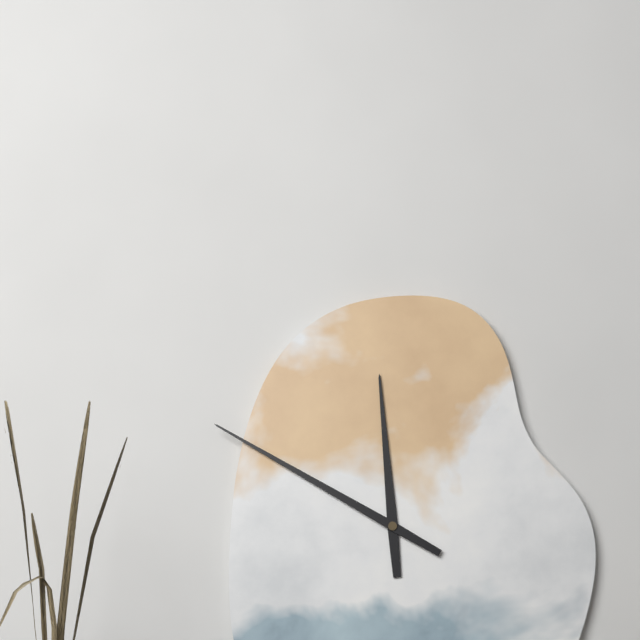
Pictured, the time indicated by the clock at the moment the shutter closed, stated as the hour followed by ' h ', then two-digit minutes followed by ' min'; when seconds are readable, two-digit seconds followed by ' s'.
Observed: 11 h 50 min
